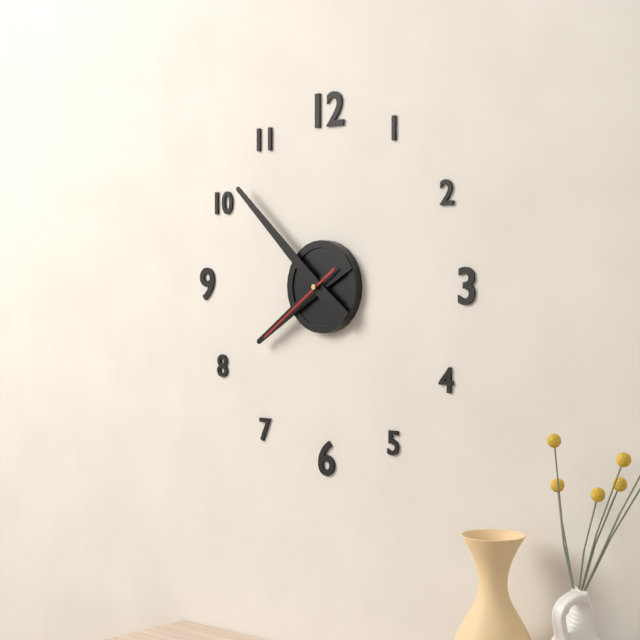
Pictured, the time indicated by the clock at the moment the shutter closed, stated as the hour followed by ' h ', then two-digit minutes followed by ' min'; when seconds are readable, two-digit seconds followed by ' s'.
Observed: 7 h 52 min 39 s
